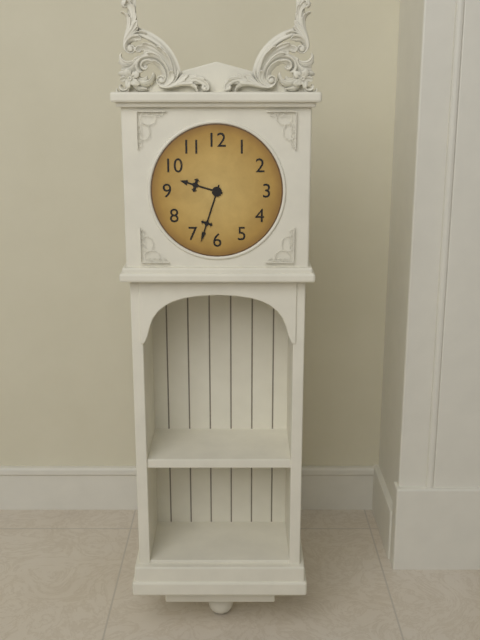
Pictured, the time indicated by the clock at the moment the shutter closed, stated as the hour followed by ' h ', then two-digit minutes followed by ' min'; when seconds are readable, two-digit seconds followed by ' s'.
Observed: 9 h 33 min
